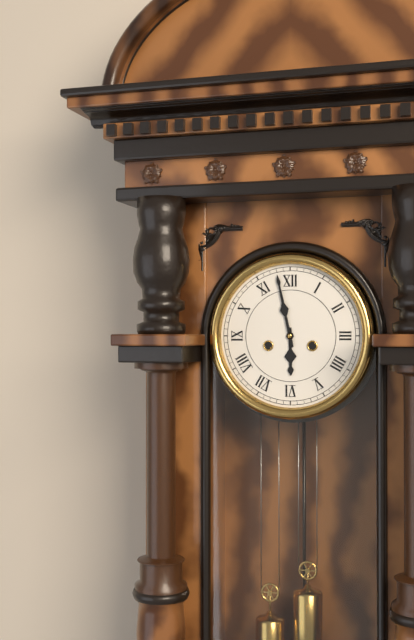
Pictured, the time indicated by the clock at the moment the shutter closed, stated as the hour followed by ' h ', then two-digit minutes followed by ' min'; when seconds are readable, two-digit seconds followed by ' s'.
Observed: 5 h 58 min
